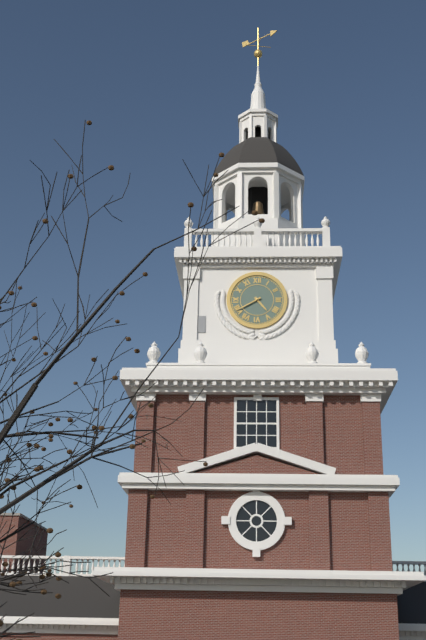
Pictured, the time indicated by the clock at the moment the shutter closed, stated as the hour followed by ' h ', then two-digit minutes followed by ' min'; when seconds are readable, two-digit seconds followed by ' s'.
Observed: 4 h 40 min
